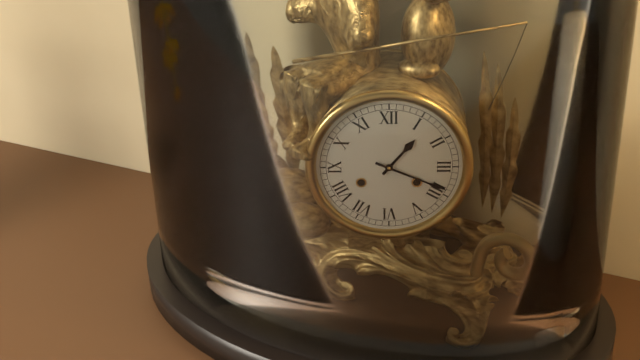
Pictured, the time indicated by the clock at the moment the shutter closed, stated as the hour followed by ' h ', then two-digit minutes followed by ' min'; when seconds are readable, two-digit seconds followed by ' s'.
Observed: 1 h 19 min
